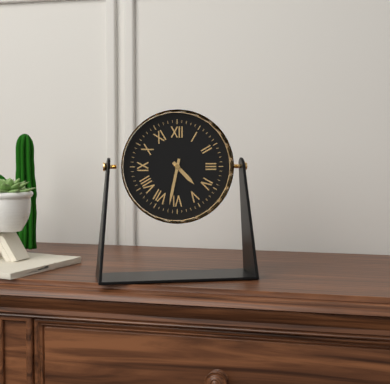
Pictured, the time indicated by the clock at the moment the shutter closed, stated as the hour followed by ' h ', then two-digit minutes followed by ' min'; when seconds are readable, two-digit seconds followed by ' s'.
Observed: 4 h 32 min
